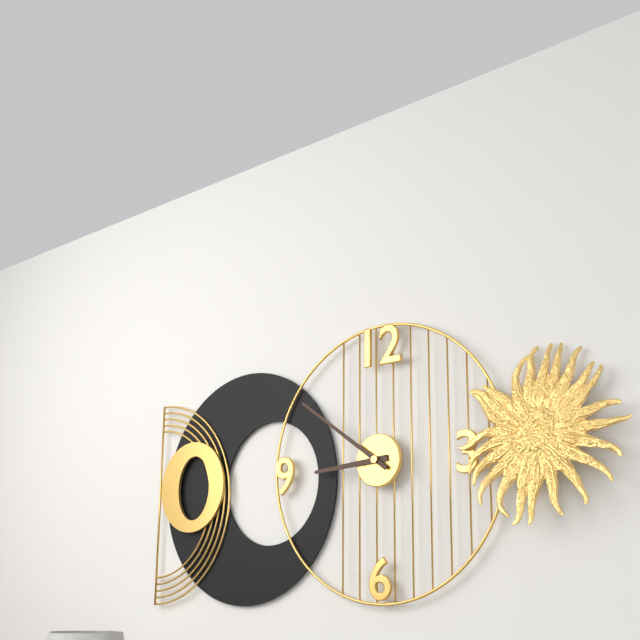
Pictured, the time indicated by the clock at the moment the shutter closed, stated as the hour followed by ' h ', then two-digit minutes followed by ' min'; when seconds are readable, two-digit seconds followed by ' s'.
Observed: 8 h 51 min
